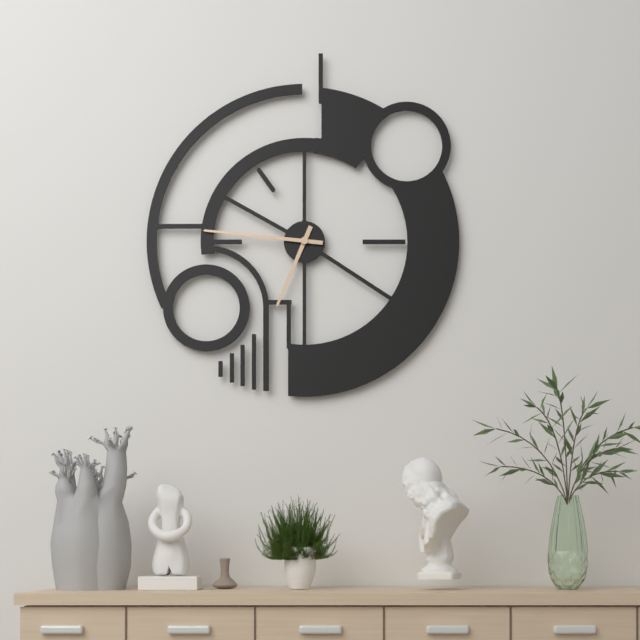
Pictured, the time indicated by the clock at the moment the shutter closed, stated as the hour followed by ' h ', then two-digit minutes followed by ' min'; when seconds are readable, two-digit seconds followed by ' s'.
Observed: 6 h 46 min
